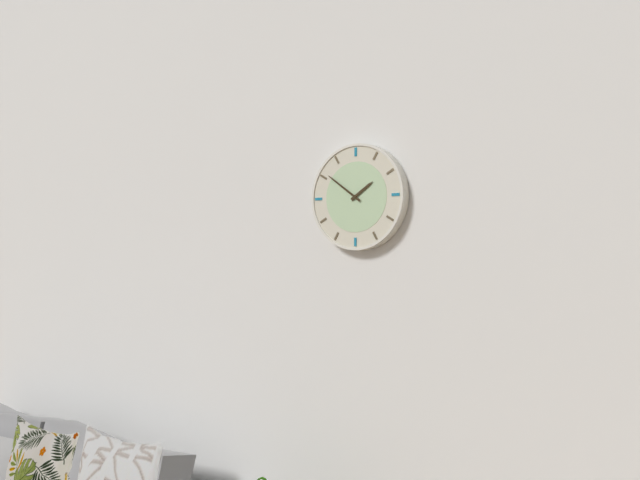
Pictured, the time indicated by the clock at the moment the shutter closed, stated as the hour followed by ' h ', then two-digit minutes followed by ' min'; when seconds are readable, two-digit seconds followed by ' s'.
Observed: 1 h 51 min
